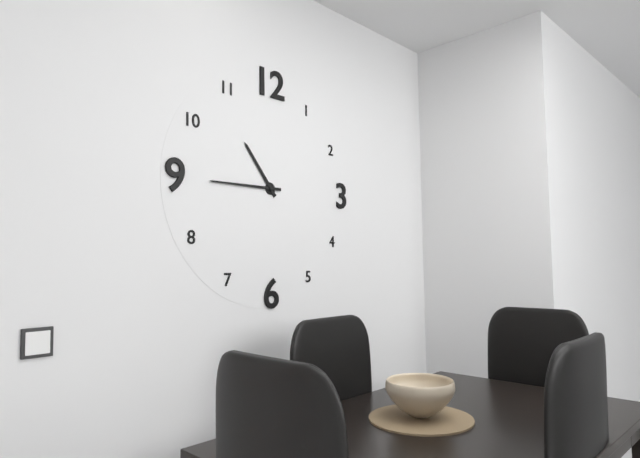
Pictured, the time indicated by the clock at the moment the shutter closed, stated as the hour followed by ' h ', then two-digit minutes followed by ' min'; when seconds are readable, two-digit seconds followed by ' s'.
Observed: 10 h 45 min
